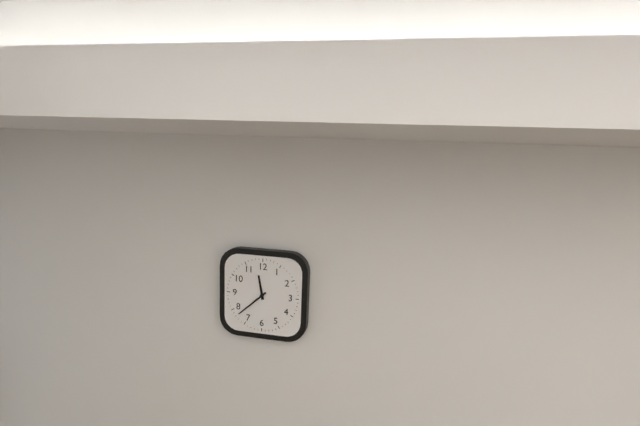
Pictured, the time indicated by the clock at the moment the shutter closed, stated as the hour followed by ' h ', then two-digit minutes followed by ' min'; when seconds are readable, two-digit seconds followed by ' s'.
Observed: 11 h 38 min
